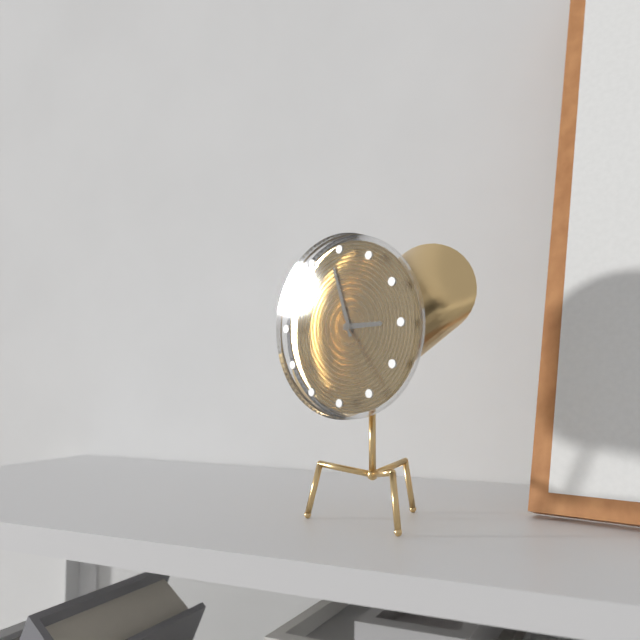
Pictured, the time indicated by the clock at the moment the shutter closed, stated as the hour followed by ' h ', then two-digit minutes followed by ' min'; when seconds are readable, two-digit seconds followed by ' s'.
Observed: 2 h 57 min 24 s
